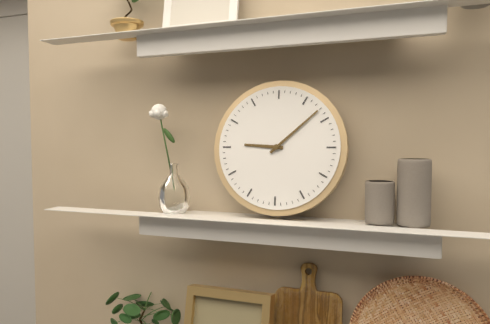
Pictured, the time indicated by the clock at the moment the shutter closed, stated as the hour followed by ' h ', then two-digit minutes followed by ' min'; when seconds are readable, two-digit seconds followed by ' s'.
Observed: 9 h 08 min
